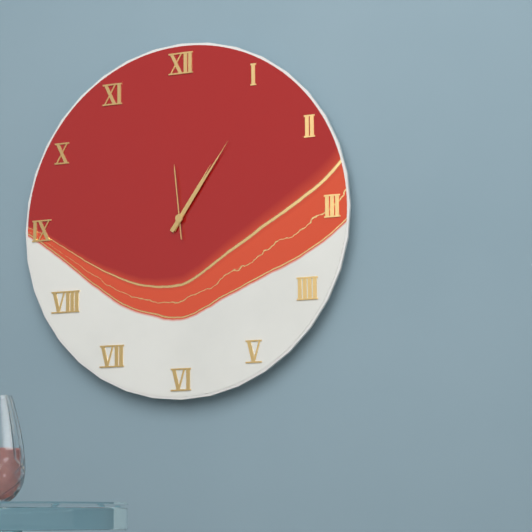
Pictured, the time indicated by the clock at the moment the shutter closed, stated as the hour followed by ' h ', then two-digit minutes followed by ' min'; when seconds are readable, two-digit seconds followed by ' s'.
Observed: 1 h 06 min 59 s
